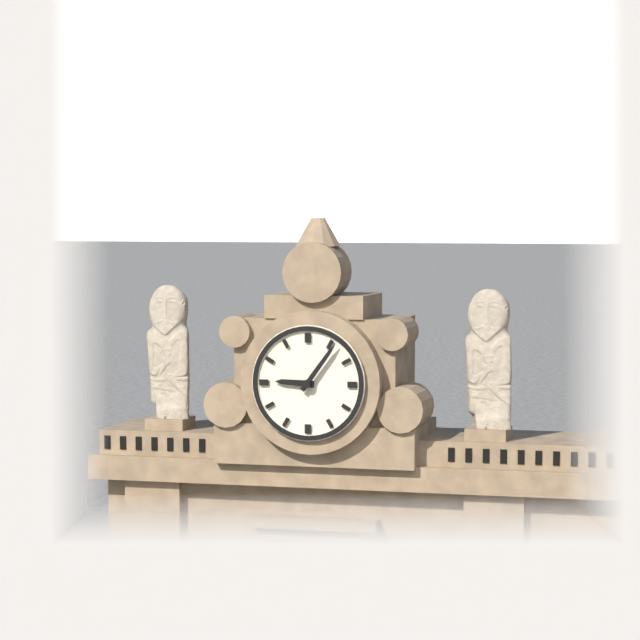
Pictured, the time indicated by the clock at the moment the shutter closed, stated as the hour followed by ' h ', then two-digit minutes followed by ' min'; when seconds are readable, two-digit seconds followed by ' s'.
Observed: 9 h 06 min
